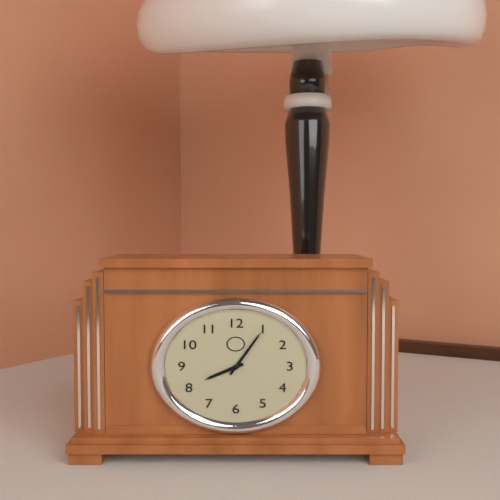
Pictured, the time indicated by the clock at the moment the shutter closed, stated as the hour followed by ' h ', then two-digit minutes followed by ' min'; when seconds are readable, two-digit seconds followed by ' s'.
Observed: 8 h 05 min
